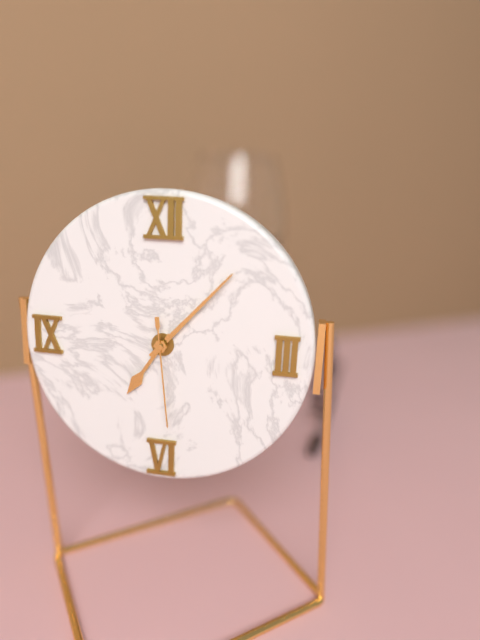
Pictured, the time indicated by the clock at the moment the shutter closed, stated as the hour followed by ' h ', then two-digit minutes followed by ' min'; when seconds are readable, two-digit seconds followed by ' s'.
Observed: 7 h 07 min 29 s
